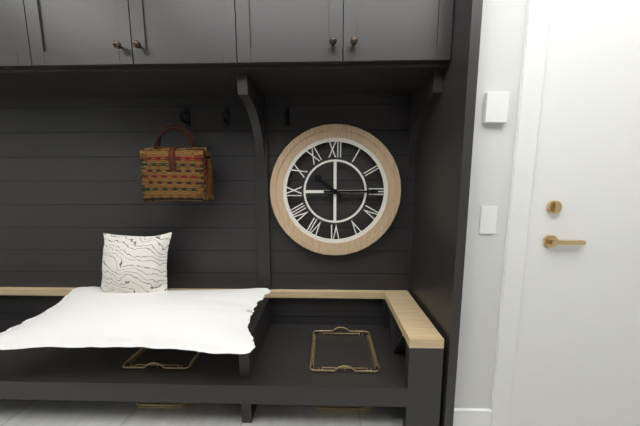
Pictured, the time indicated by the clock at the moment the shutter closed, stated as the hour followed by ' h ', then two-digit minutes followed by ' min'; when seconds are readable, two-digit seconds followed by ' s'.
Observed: 10 h 15 min
